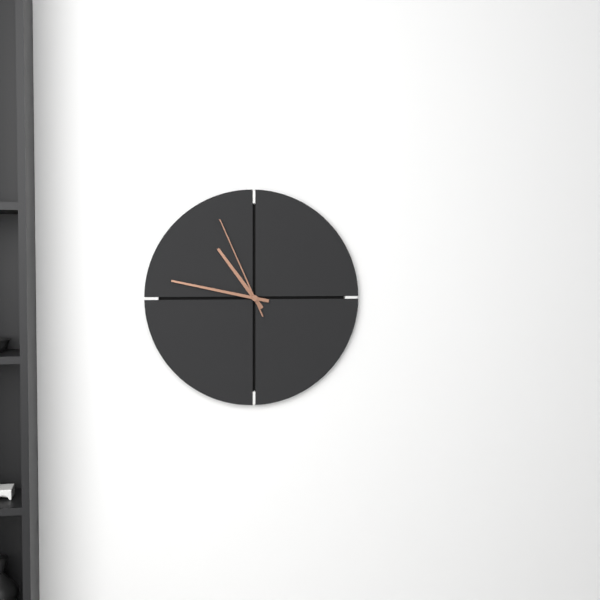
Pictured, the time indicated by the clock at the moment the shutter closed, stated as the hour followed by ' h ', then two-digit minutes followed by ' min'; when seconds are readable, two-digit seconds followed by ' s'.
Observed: 10 h 47 min 56 s
